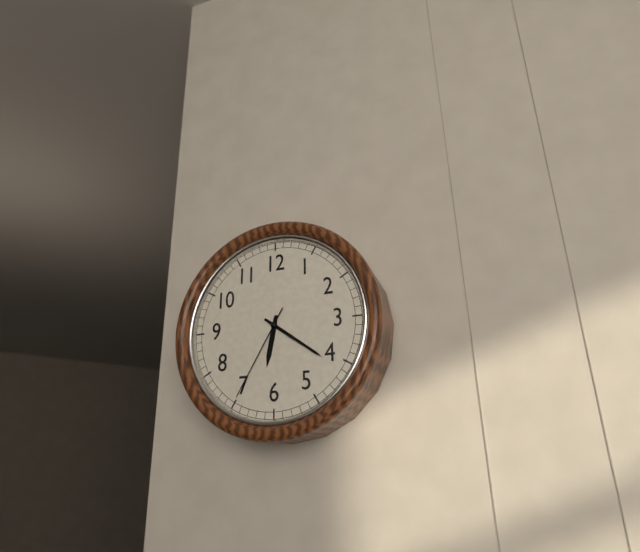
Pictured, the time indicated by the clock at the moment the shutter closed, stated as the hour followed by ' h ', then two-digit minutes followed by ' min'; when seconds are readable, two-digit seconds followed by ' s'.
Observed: 6 h 21 min 35 s
